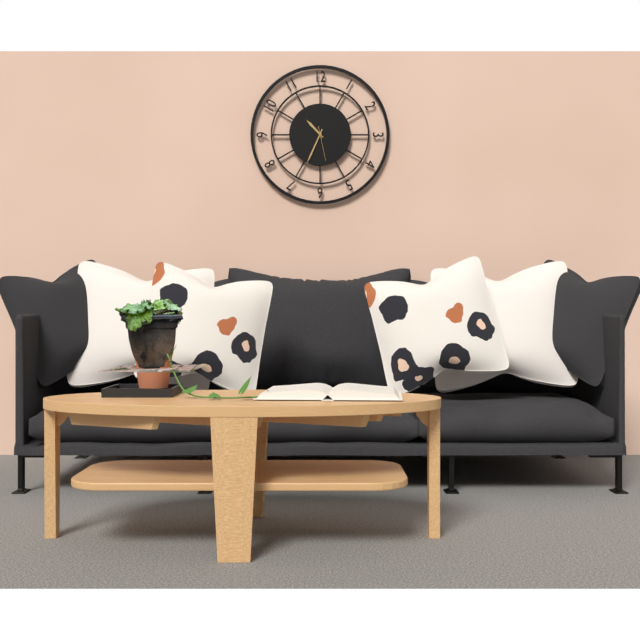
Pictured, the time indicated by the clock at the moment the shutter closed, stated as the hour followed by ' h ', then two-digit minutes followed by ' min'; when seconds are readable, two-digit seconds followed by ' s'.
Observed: 10 h 34 min
